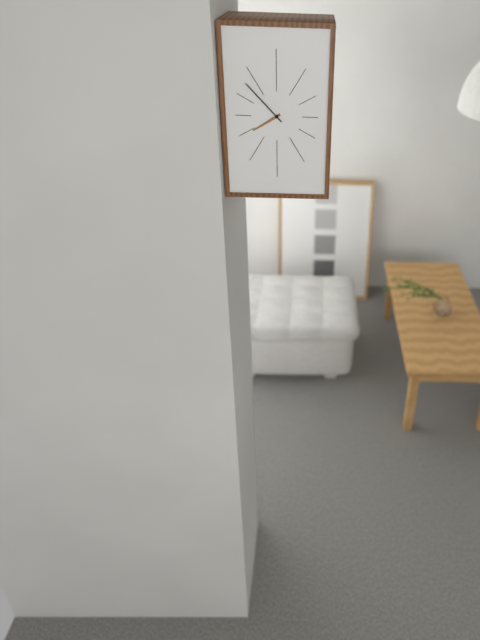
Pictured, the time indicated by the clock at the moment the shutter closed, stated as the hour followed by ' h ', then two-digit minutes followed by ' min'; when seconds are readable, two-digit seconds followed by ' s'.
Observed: 7 h 53 min
